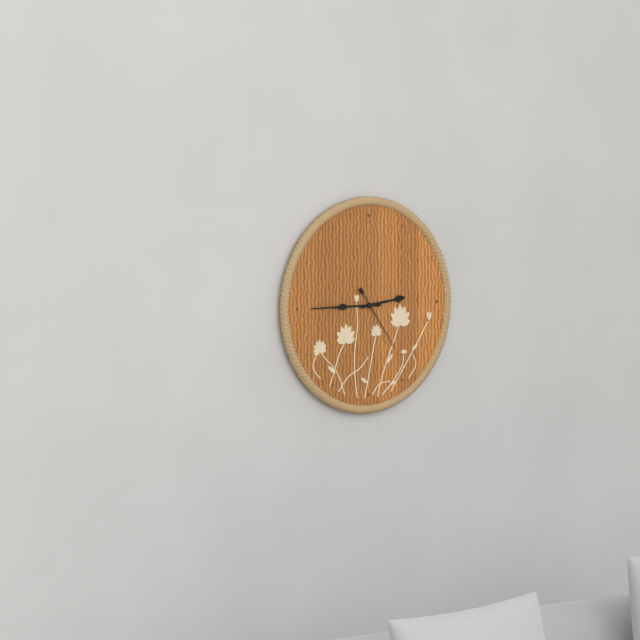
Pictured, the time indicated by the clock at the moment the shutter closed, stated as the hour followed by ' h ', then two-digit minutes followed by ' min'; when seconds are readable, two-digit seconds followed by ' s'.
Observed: 2 h 45 min 24 s
